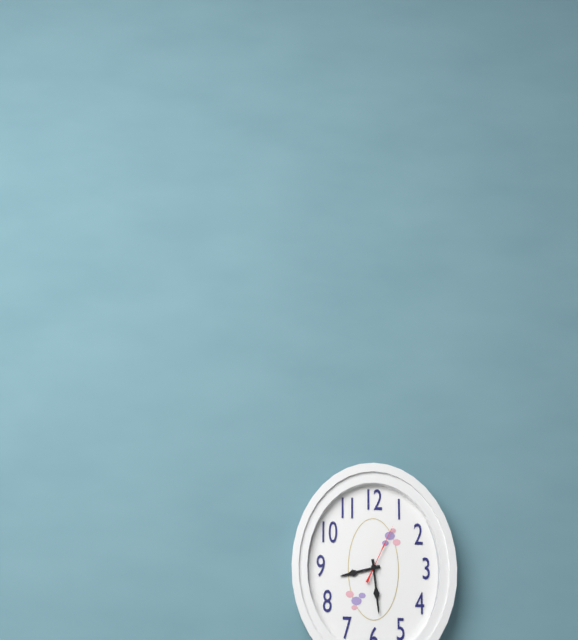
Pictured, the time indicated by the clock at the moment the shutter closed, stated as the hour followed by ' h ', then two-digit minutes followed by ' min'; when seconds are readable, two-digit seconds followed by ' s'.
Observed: 8 h 29 min 04 s
